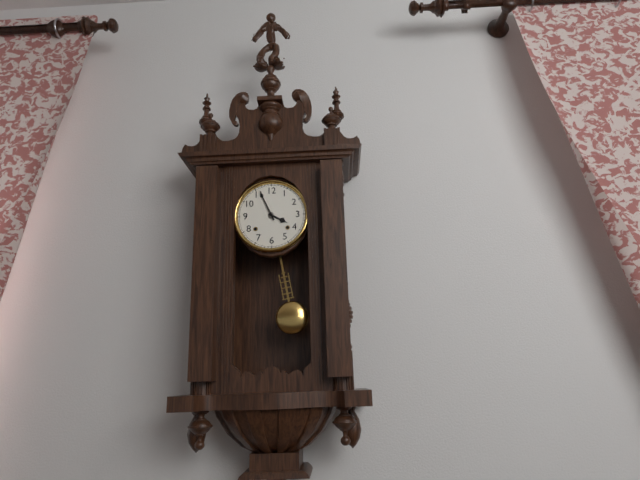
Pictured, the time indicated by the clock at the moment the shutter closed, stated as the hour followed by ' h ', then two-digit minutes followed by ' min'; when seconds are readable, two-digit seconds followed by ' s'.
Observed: 3 h 56 min
